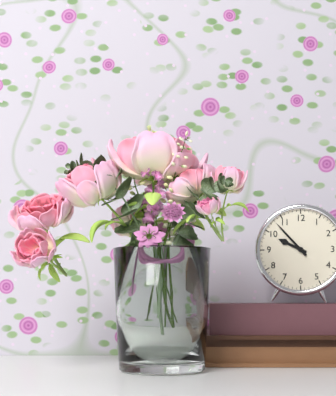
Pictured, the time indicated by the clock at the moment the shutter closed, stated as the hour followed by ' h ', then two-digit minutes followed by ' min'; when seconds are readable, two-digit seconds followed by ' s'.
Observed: 9 h 53 min
